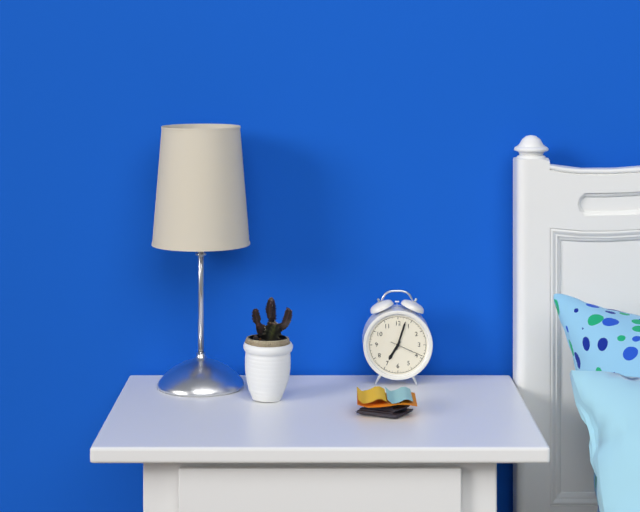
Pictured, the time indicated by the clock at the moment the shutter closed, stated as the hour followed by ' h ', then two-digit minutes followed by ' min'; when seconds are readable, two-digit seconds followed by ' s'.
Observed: 7 h 03 min
